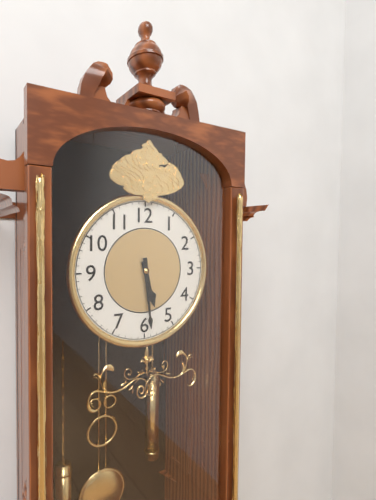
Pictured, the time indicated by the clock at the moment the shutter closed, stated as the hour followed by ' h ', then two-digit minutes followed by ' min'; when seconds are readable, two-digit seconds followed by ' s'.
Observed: 5 h 29 min
